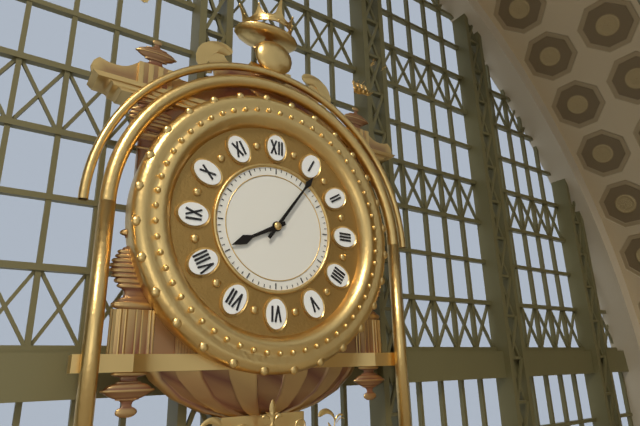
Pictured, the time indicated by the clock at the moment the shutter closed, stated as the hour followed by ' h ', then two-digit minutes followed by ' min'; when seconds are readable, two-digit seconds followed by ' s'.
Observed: 8 h 06 min
